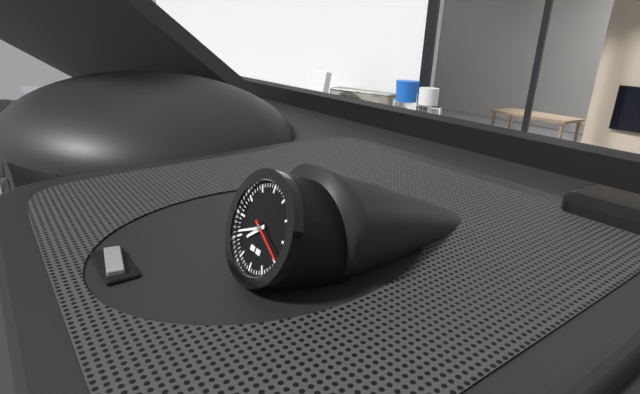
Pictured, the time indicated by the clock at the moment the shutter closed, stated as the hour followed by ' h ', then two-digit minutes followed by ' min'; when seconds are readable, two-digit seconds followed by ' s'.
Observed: 7 h 41 min
